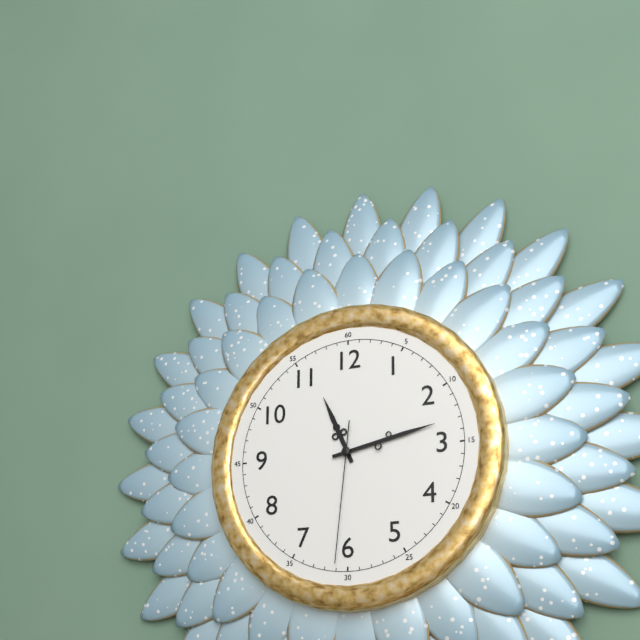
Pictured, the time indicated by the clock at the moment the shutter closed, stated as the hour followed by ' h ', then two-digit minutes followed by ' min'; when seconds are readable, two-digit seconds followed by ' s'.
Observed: 11 h 13 min 31 s
